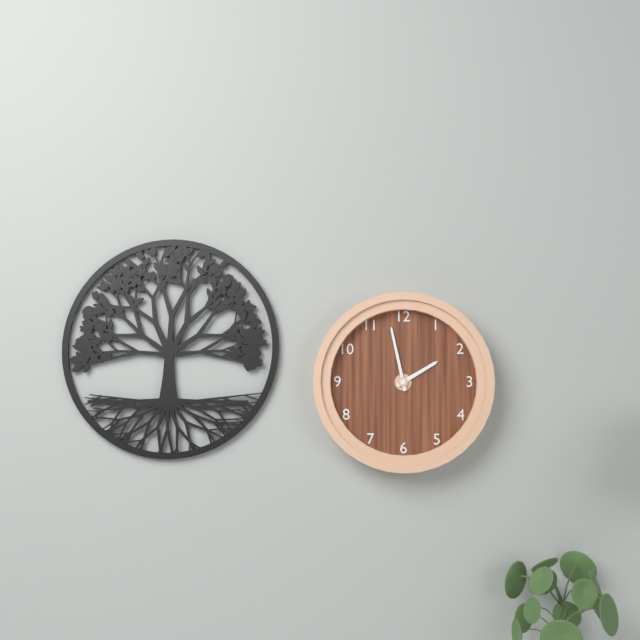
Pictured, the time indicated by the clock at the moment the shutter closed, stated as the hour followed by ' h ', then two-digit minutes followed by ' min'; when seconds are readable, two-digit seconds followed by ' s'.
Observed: 1 h 58 min
